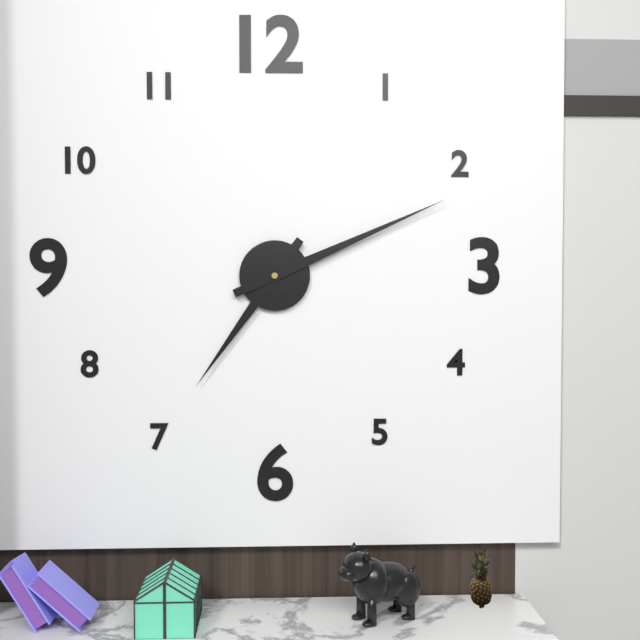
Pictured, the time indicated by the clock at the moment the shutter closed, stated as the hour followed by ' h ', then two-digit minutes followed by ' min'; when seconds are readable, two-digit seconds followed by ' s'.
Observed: 7 h 11 min
